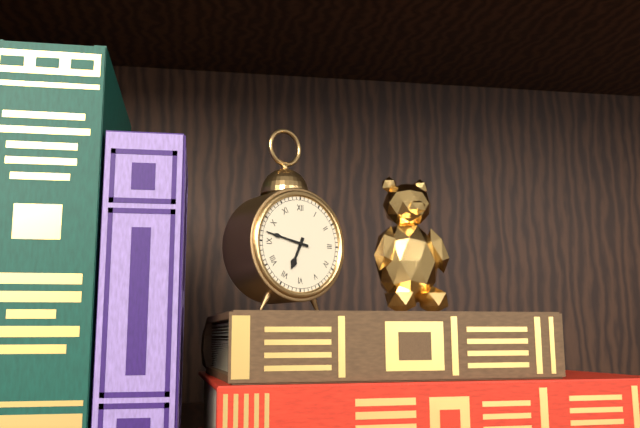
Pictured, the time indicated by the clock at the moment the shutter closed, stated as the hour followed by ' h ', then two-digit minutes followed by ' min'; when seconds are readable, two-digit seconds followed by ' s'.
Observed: 6 h 47 min
